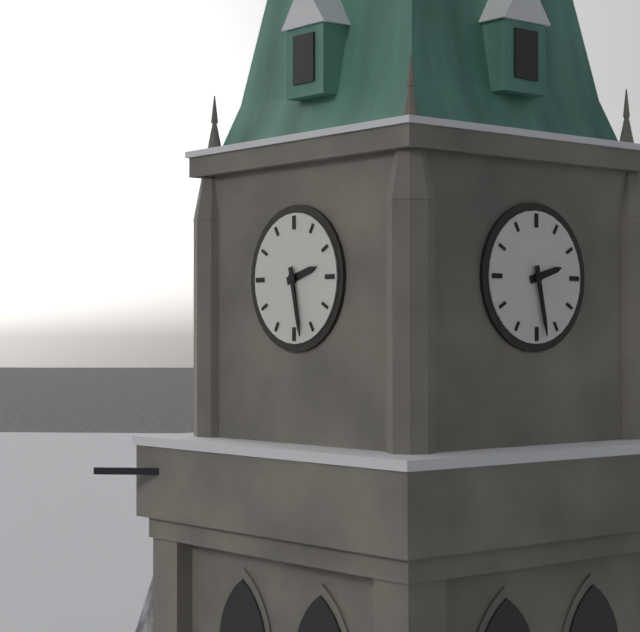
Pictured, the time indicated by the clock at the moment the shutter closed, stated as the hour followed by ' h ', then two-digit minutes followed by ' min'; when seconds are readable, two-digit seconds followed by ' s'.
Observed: 2 h 28 min
